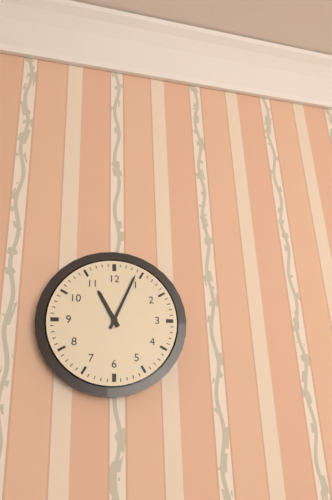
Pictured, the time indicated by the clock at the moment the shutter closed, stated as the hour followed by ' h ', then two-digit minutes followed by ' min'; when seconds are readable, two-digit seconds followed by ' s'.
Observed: 11 h 04 min
